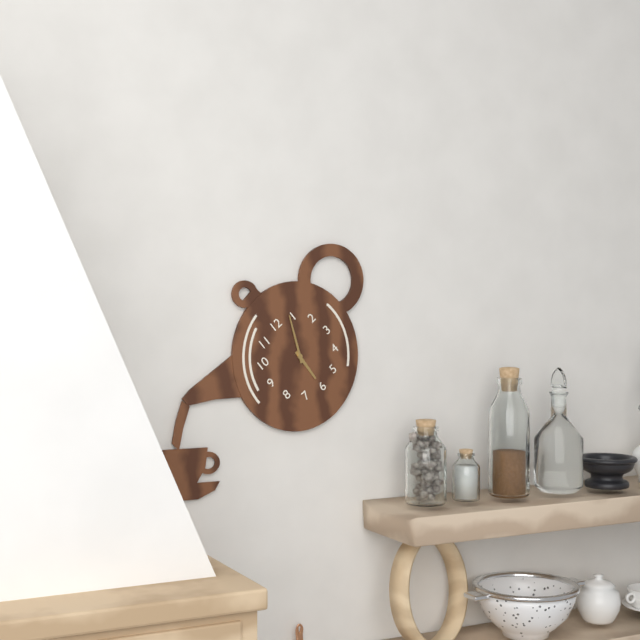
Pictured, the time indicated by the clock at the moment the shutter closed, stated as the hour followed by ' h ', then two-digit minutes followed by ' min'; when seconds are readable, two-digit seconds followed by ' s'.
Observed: 6 h 04 min
